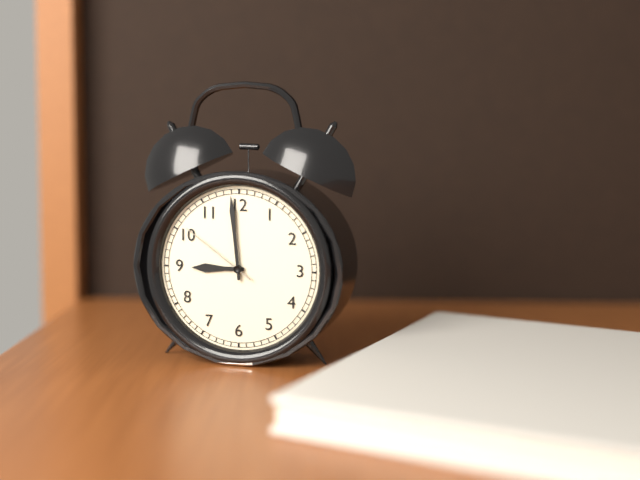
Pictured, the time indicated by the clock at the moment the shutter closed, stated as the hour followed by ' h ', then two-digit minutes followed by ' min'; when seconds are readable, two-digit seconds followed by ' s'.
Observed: 8 h 59 min 51 s
